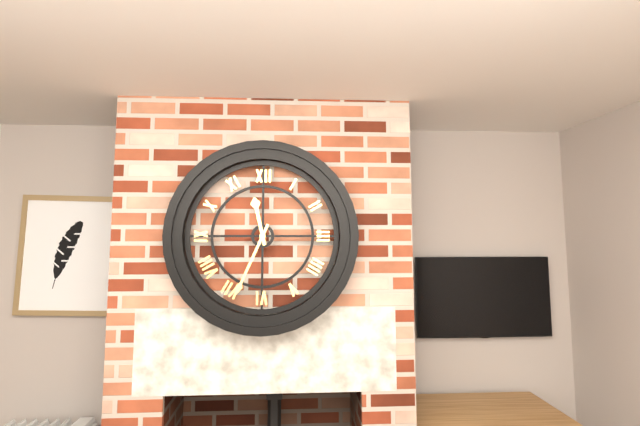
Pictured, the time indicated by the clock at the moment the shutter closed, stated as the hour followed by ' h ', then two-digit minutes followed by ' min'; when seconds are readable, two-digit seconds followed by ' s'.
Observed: 11 h 34 min
